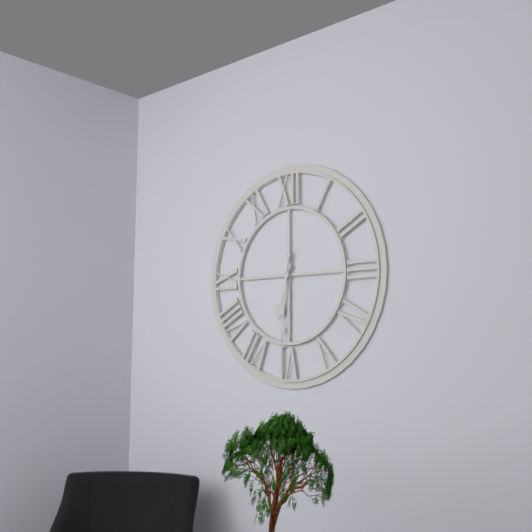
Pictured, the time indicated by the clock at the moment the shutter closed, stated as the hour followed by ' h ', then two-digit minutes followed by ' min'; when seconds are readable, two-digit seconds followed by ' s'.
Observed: 6 h 31 min
